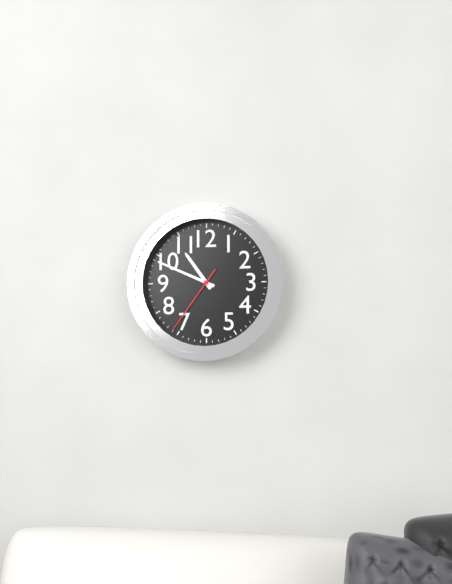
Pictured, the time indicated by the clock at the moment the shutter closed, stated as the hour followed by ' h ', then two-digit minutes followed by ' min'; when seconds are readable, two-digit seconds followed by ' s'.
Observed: 10 h 49 min 36 s
